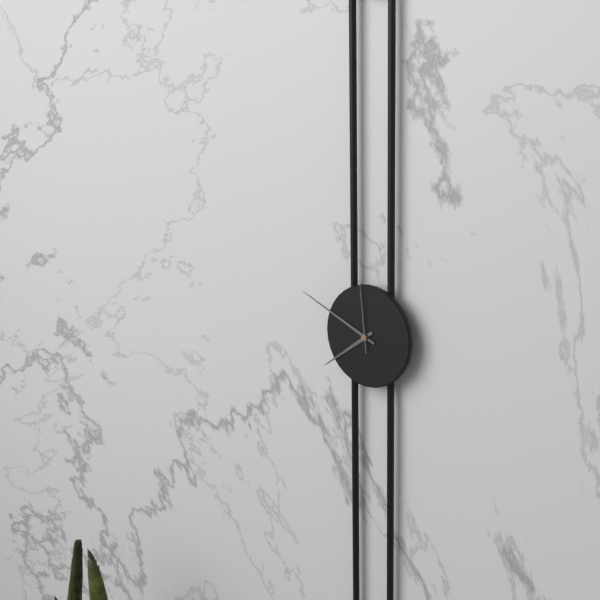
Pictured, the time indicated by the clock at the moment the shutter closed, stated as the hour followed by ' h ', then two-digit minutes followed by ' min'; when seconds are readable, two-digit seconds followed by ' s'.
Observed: 7 h 49 min 59 s
